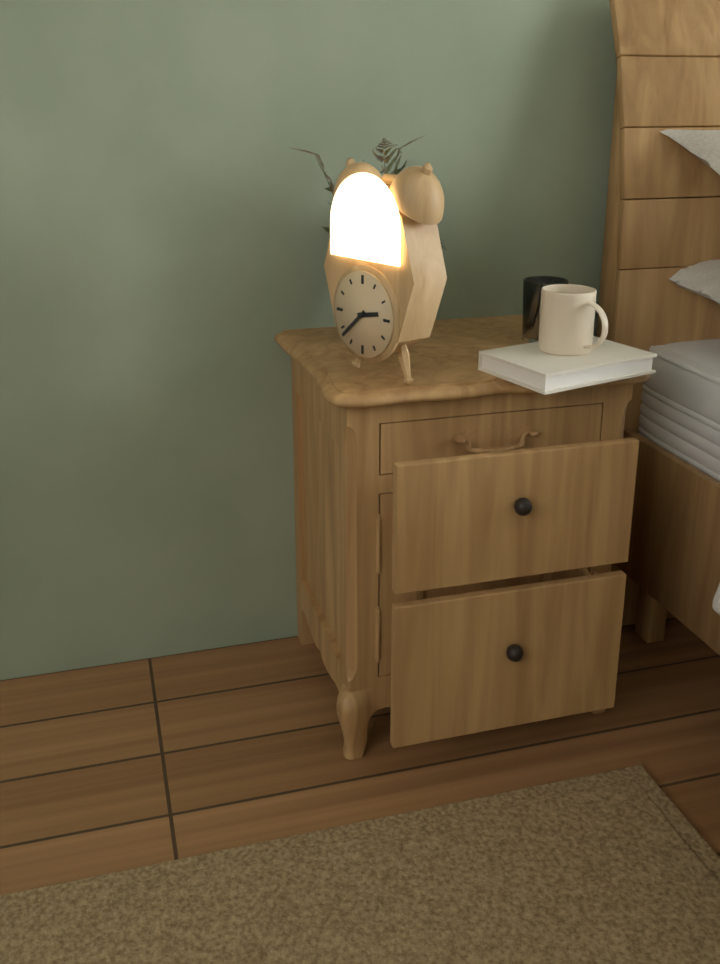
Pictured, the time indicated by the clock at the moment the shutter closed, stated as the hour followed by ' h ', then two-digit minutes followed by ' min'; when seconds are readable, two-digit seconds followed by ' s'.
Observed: 2 h 38 min
